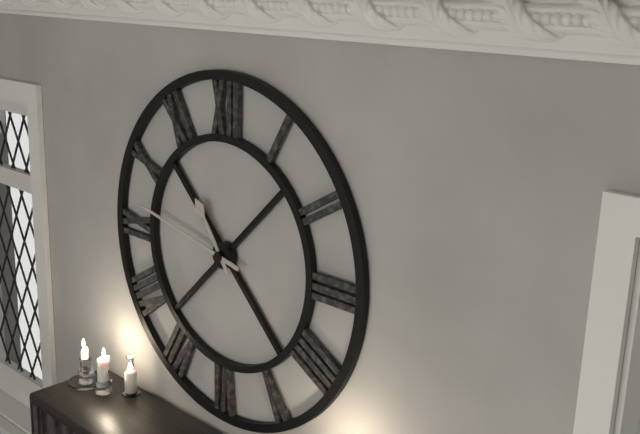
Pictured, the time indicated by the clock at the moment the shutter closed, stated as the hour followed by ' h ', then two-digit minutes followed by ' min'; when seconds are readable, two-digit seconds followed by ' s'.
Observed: 10 h 47 min
